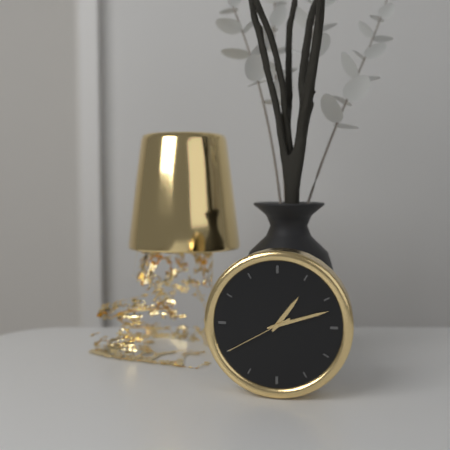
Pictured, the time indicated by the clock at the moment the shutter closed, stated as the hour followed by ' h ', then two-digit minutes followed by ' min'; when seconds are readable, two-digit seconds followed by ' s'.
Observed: 1 h 12 min 40 s
